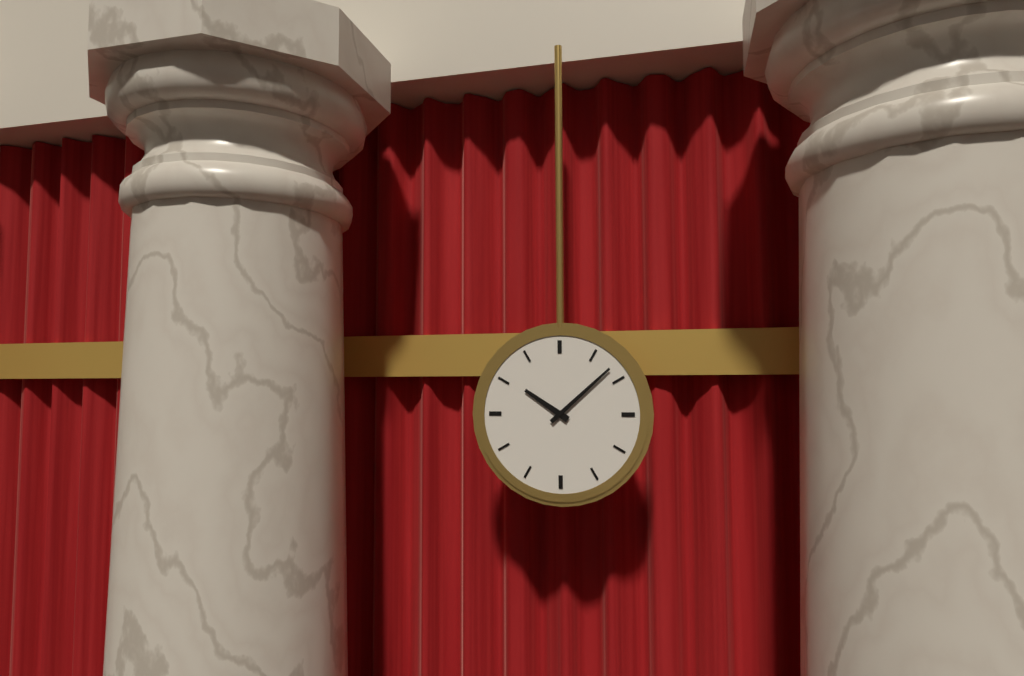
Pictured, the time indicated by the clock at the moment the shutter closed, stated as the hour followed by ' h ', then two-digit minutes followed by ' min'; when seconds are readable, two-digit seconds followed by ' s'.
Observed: 10 h 08 min
